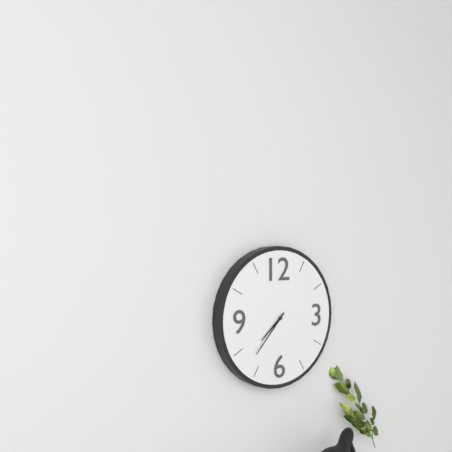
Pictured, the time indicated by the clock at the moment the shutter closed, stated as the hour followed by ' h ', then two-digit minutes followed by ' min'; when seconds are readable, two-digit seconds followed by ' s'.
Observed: 7 h 37 min
